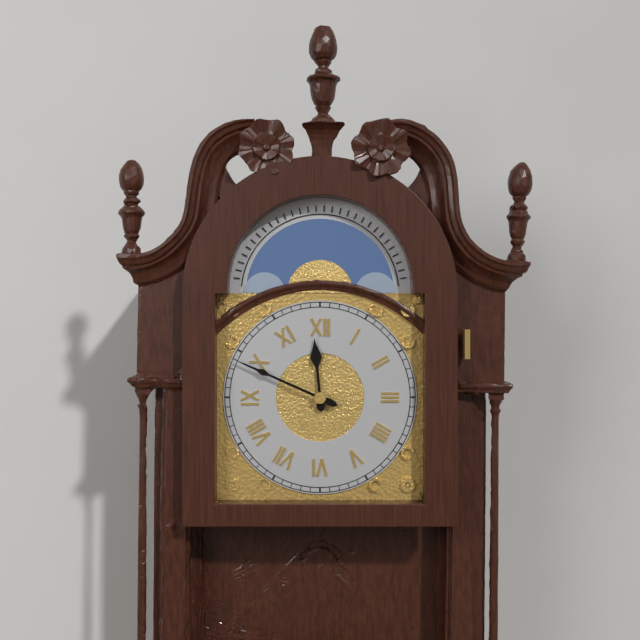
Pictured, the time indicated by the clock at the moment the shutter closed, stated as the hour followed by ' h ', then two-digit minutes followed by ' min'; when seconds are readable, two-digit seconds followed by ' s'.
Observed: 11 h 49 min
